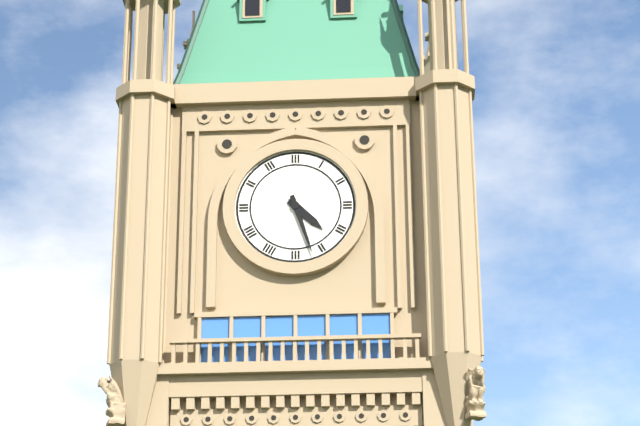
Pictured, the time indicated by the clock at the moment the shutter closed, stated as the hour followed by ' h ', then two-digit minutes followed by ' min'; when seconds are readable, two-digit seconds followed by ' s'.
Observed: 4 h 27 min
